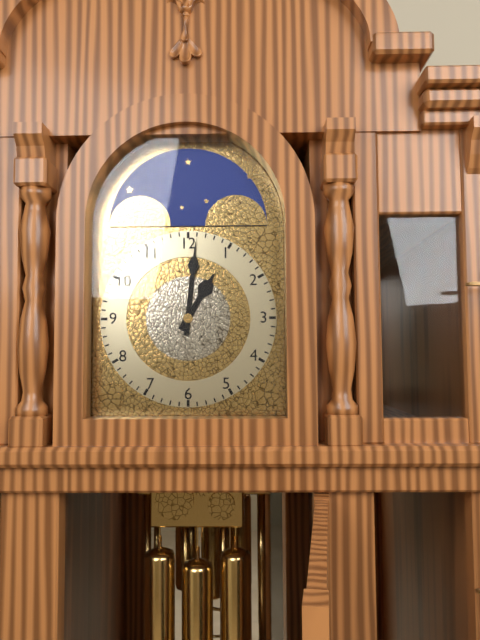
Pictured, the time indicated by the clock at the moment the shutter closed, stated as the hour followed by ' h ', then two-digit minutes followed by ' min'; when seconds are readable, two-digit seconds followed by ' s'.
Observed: 1 h 01 min
